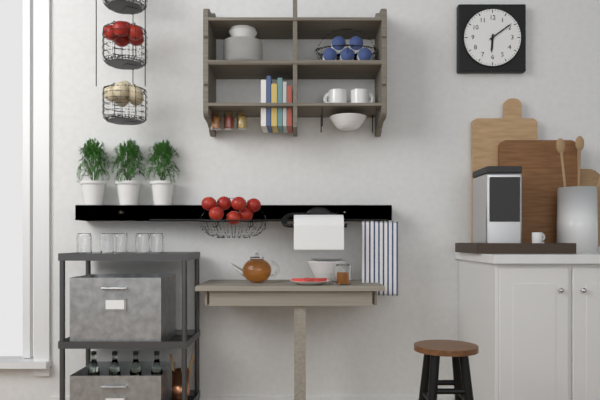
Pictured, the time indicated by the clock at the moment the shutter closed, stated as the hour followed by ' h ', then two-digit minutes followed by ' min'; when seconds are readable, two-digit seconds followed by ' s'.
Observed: 6 h 09 min
